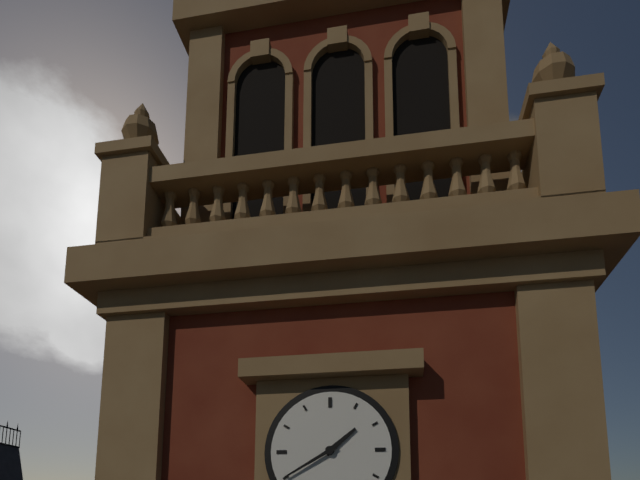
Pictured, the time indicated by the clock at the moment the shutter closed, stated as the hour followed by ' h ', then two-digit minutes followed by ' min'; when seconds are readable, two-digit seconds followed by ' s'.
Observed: 1 h 40 min
